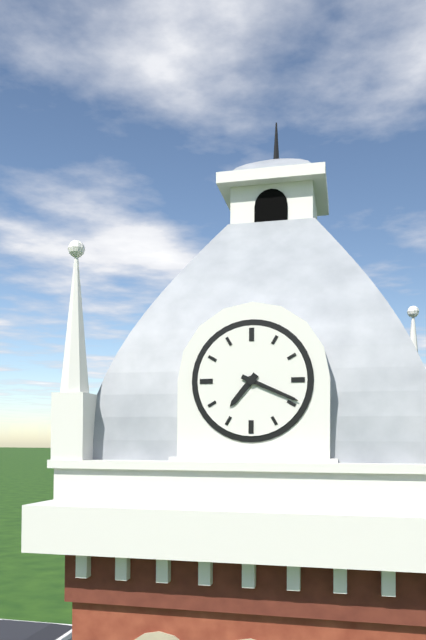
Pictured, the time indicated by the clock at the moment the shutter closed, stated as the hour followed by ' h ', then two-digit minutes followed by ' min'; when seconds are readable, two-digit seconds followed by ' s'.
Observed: 7 h 19 min
